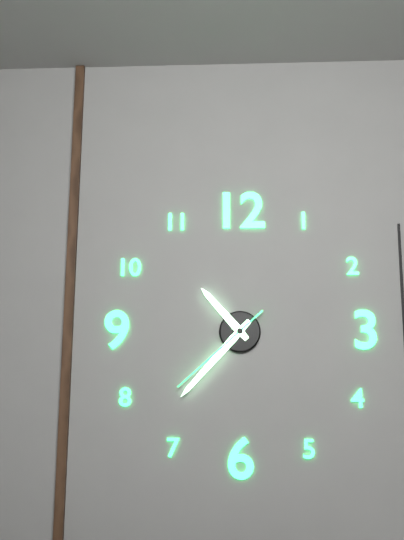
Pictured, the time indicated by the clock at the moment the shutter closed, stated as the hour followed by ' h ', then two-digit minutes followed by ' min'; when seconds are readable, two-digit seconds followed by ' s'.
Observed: 10 h 37 min 38 s
